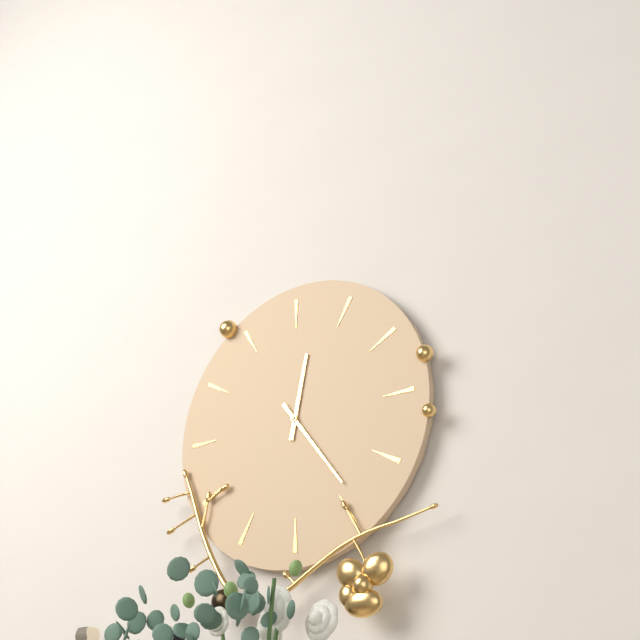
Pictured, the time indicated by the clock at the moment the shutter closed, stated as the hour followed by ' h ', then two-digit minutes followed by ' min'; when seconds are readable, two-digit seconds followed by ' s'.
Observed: 12 h 24 min
